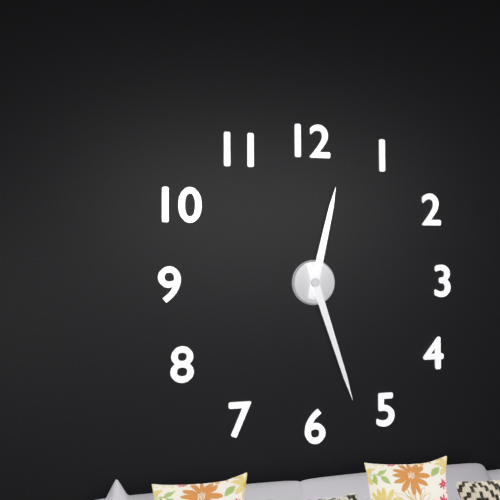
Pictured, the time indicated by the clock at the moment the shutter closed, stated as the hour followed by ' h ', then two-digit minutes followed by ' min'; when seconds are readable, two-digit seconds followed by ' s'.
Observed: 12 h 27 min
